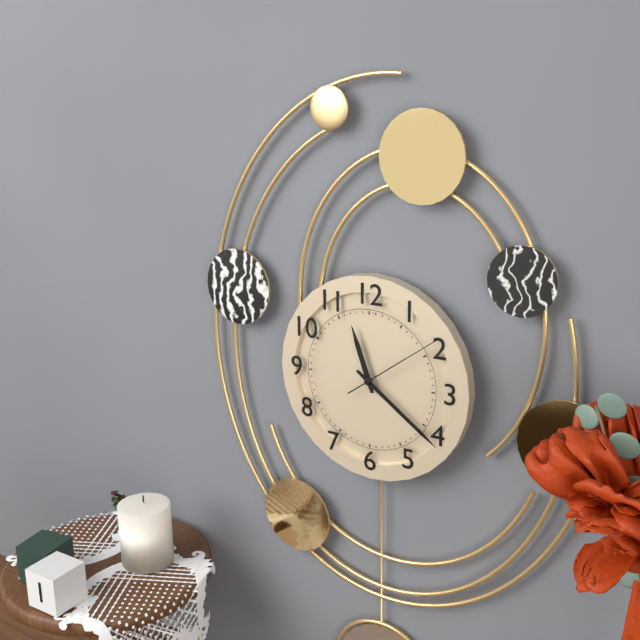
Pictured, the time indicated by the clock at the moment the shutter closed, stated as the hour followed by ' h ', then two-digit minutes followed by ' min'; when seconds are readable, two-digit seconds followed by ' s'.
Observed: 11 h 21 min 09 s
